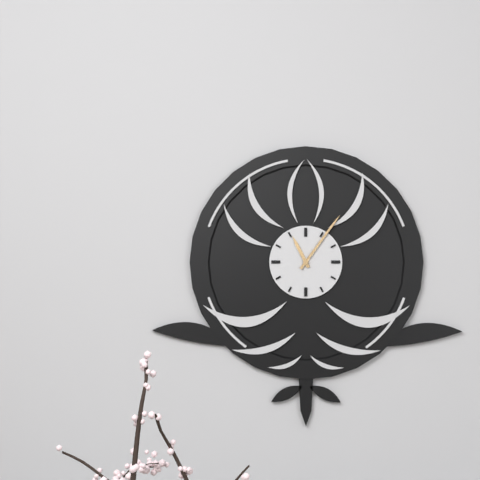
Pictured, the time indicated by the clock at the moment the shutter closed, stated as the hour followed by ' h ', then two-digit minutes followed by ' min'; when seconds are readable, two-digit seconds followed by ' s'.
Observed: 11 h 06 min
